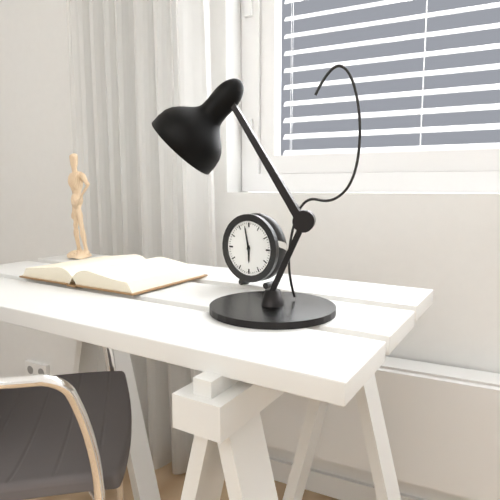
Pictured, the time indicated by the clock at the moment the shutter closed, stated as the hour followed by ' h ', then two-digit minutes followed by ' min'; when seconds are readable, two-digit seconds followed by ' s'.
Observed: 5 h 58 min
